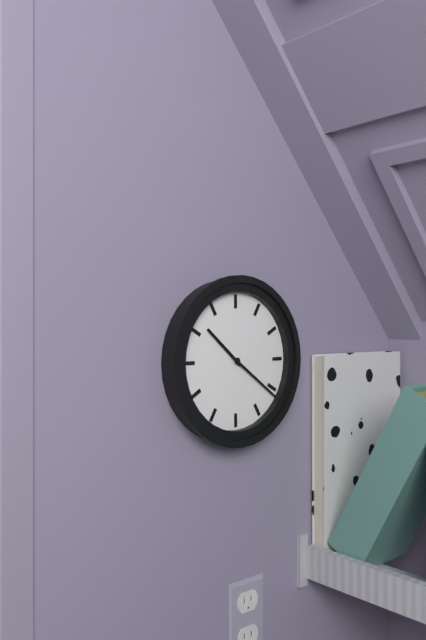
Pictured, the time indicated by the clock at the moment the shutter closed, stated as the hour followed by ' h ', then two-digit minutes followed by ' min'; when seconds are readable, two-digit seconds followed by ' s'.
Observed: 10 h 21 min
